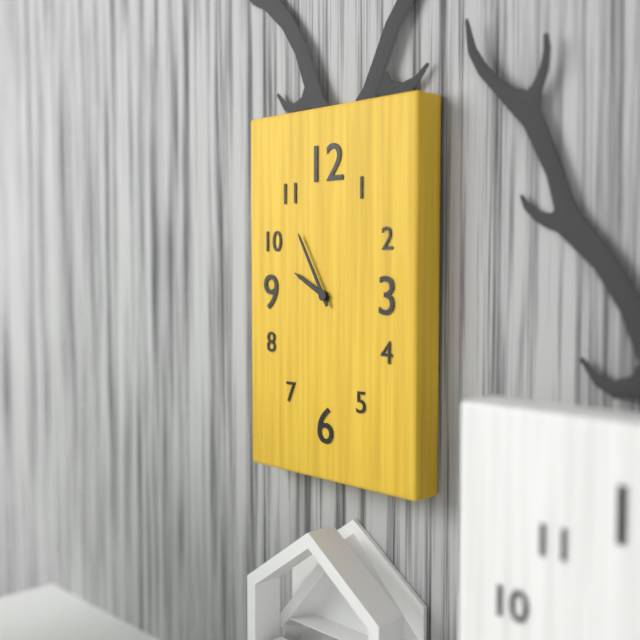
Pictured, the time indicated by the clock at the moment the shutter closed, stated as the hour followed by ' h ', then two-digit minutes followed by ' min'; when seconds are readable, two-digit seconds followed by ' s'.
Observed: 9 h 55 min
